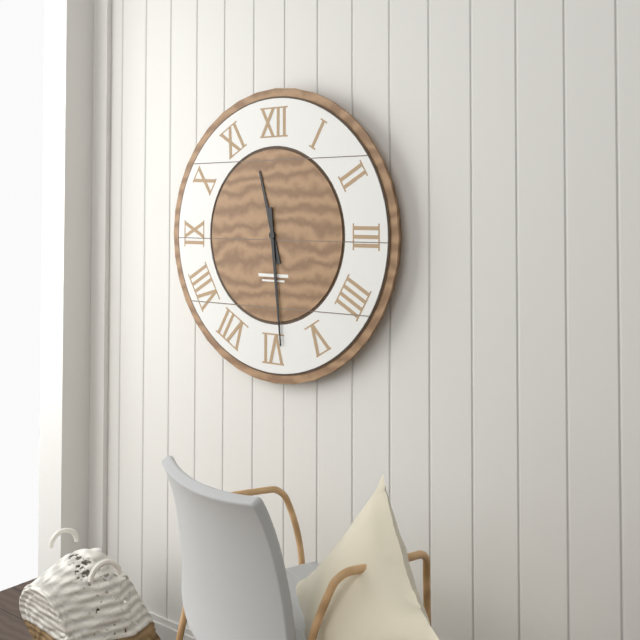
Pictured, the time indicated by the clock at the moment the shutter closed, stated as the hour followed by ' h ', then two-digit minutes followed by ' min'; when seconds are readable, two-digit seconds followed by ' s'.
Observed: 11 h 29 min
